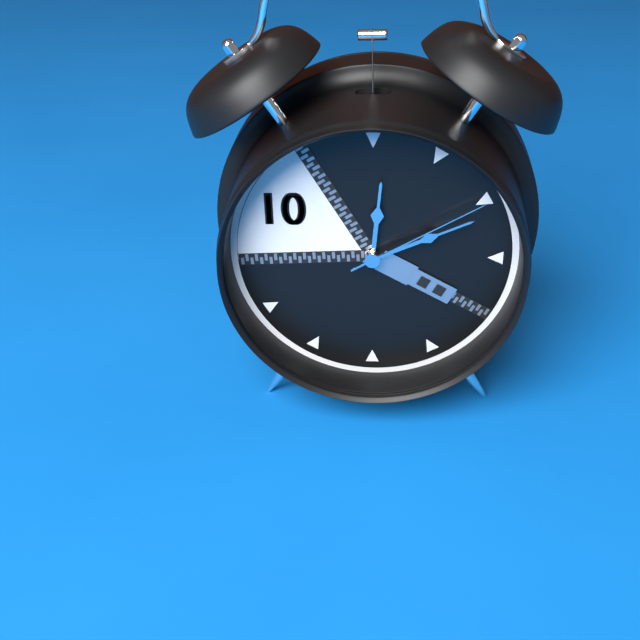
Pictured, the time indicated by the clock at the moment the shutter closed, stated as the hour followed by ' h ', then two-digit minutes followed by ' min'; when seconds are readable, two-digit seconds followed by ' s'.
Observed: 12 h 11 min 10 s
